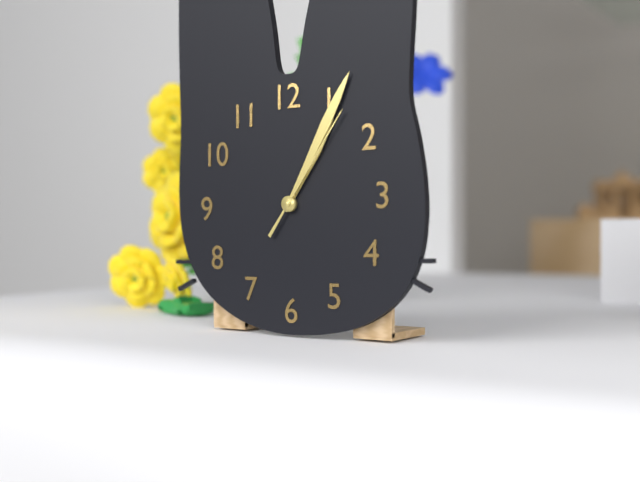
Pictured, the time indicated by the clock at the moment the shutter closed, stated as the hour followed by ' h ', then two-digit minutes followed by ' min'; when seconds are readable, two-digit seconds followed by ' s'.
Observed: 1 h 05 min 06 s
